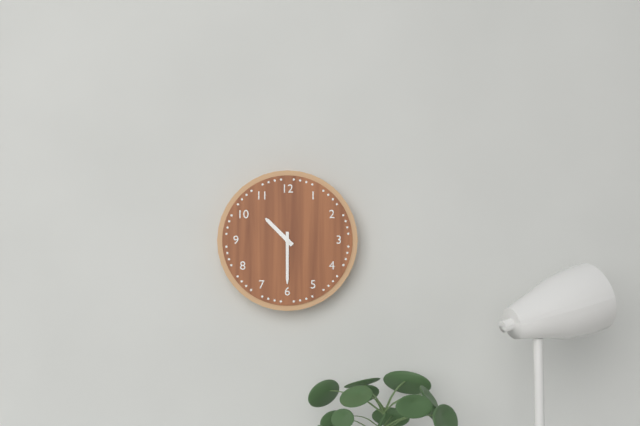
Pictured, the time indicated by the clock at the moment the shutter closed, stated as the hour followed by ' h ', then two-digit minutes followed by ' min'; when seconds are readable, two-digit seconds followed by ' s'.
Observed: 10 h 30 min
